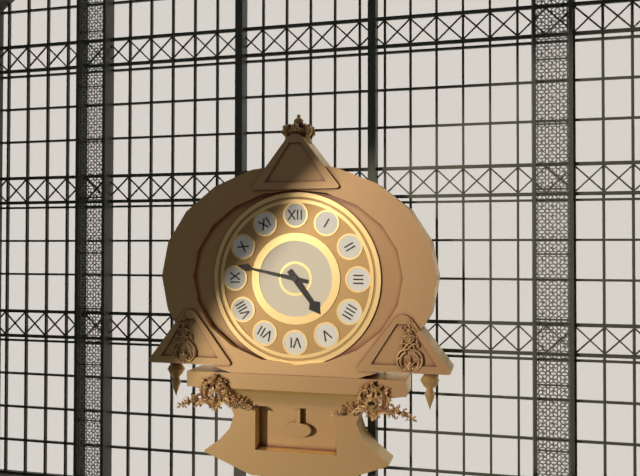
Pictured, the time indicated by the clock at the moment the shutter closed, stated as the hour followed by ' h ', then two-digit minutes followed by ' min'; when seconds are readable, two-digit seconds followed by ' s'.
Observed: 4 h 47 min
